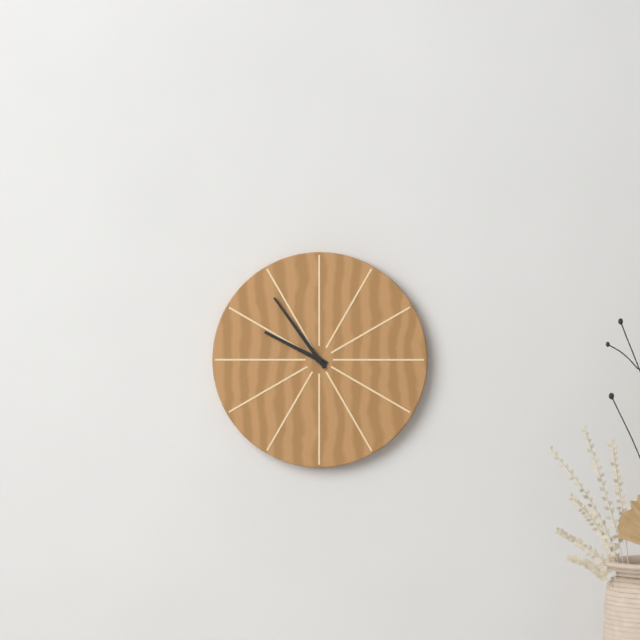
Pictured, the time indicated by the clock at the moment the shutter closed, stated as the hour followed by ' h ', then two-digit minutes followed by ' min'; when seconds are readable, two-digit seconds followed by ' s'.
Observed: 9 h 54 min
